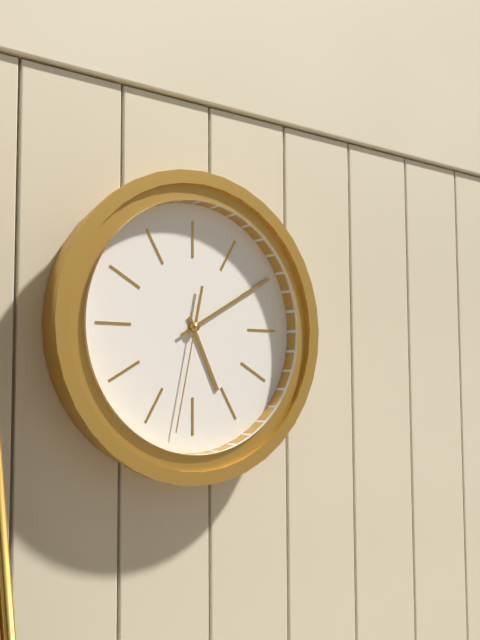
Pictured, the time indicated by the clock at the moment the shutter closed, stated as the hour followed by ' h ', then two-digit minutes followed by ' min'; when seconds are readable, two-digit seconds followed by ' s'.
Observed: 5 h 10 min 32 s
